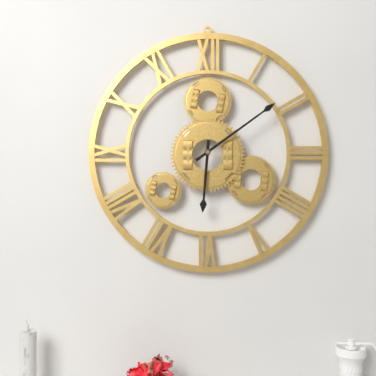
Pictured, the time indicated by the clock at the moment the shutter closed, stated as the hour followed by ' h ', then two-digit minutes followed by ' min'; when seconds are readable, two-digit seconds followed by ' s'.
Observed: 6 h 09 min
